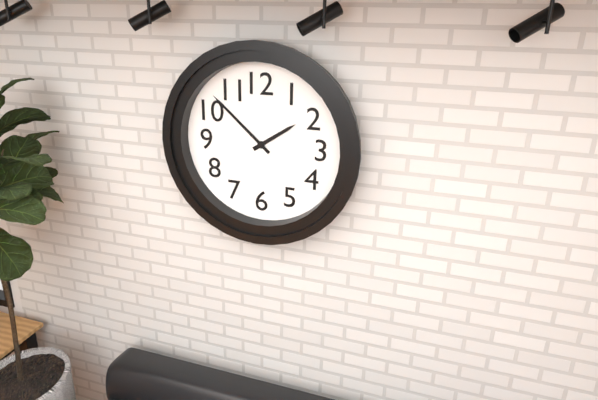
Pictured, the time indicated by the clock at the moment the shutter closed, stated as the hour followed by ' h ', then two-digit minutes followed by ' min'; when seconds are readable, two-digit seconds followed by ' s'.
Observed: 1 h 52 min
